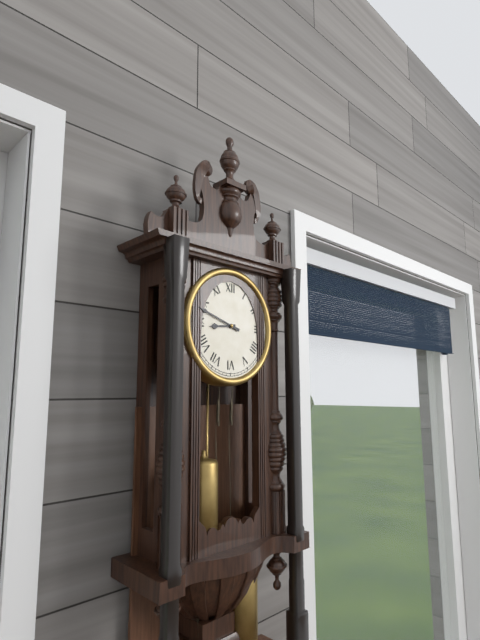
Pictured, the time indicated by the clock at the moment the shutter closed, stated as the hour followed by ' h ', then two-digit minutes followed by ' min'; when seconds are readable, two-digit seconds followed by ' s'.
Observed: 8 h 48 min
